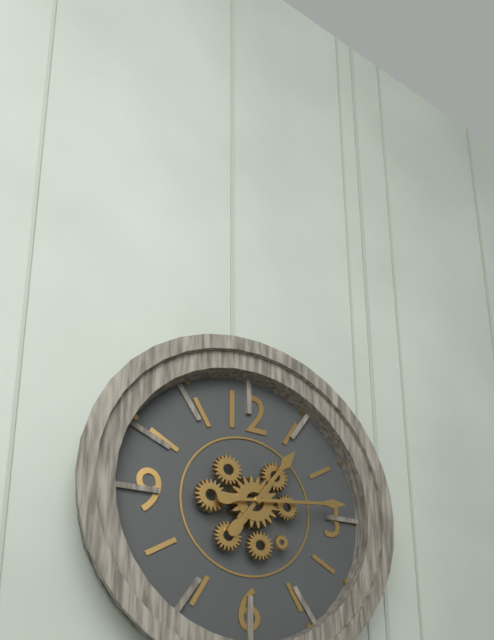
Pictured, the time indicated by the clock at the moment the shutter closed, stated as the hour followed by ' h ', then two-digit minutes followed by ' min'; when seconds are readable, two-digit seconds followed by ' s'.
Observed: 1 h 14 min
